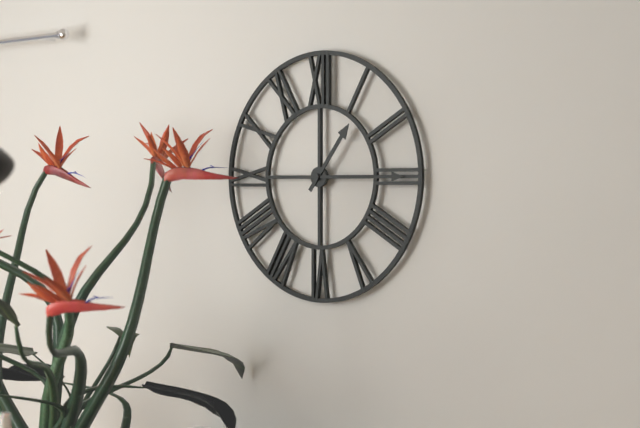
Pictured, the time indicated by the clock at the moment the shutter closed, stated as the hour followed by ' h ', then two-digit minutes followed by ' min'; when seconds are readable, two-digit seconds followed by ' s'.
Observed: 1 h 15 min
